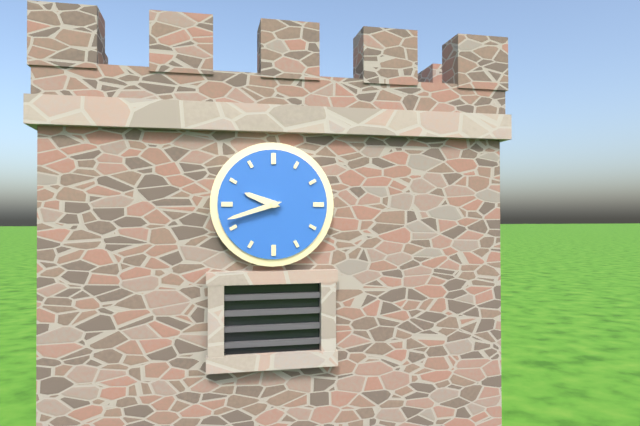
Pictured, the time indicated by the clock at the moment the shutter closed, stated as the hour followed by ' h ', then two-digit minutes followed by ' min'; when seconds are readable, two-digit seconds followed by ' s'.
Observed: 9 h 42 min
